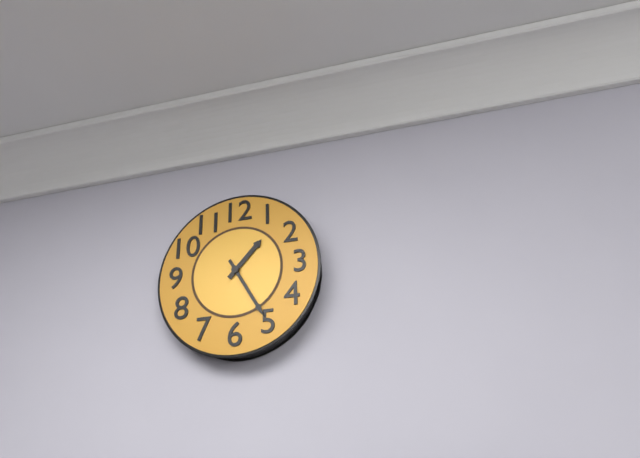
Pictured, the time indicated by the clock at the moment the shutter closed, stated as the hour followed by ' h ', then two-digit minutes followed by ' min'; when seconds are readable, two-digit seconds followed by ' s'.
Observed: 1 h 25 min
